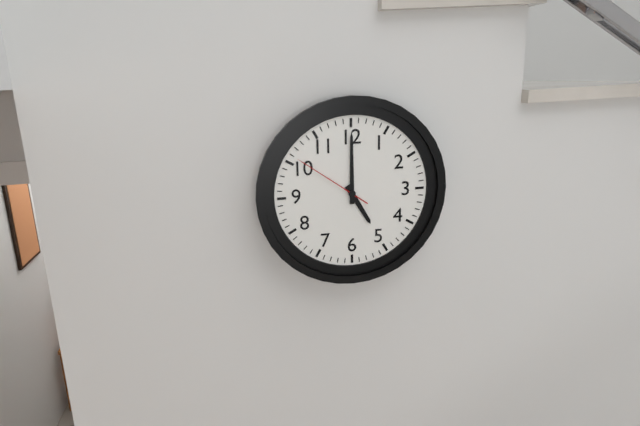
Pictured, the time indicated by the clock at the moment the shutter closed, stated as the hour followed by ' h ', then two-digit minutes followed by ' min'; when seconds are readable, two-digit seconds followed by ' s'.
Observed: 5 h 00 min 51 s
